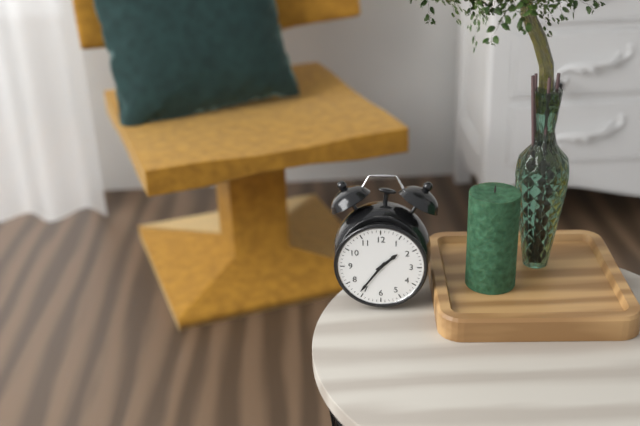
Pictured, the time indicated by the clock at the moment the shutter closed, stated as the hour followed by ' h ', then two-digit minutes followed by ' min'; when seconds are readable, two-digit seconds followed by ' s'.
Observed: 1 h 36 min
